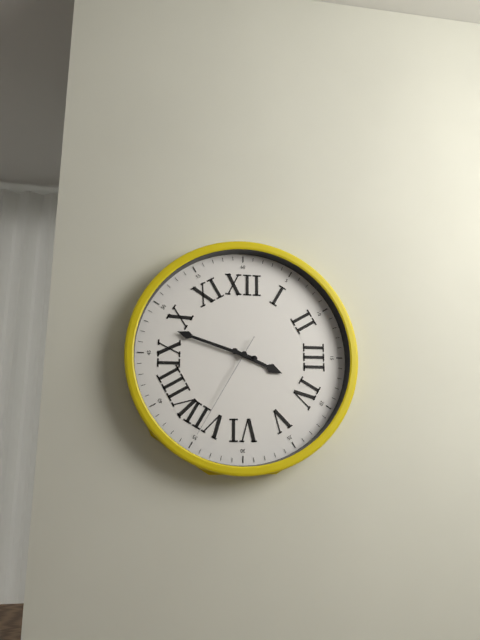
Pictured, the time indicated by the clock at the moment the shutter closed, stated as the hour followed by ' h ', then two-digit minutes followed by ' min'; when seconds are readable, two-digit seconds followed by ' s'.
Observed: 3 h 48 min 35 s
